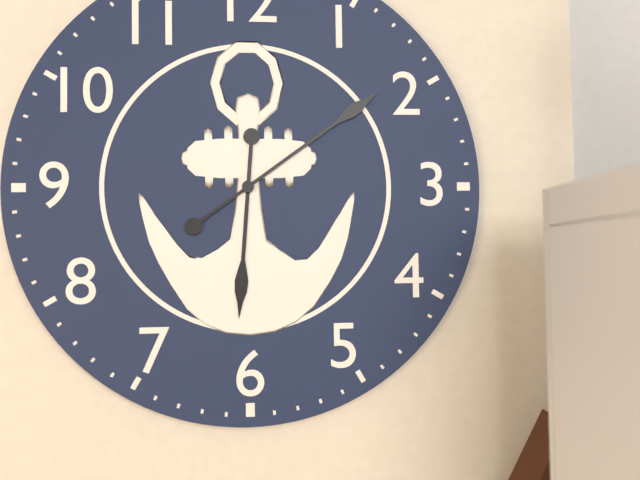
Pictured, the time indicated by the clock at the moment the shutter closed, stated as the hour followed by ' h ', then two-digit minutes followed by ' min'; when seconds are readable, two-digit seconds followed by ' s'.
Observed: 6 h 09 min
